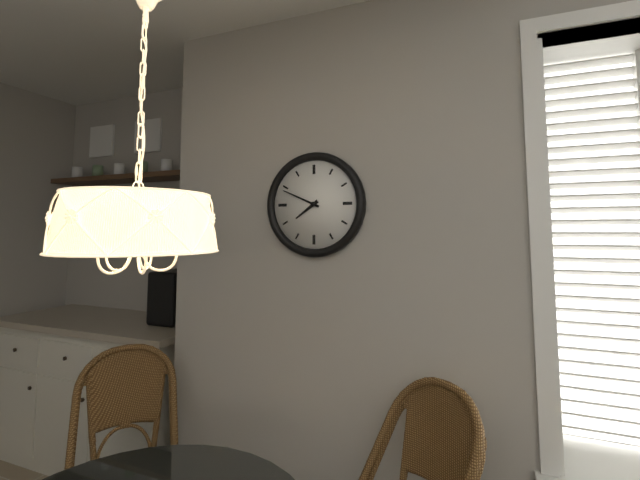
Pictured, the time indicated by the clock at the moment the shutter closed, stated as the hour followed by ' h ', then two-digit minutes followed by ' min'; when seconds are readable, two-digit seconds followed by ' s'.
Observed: 7 h 49 min
